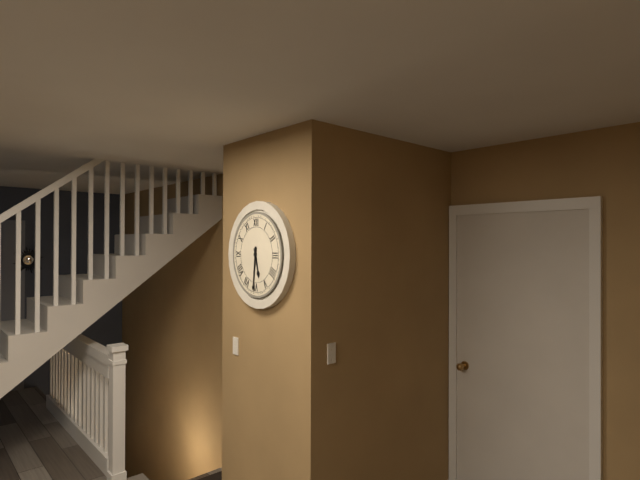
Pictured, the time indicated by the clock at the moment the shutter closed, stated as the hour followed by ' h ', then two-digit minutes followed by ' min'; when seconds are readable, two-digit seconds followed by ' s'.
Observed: 5 h 31 min
